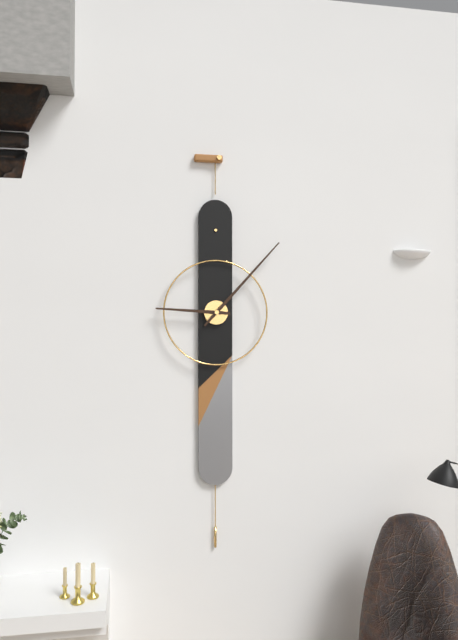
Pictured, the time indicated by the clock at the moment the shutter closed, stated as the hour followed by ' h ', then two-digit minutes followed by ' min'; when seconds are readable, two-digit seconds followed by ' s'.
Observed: 9 h 07 min
